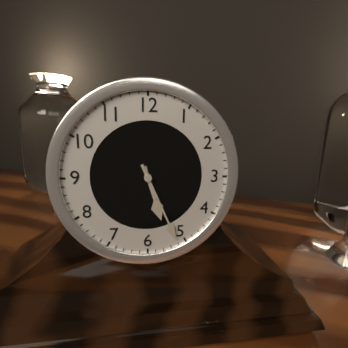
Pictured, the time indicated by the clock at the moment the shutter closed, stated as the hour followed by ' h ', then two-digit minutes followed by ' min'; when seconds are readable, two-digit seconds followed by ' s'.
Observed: 5 h 26 min
